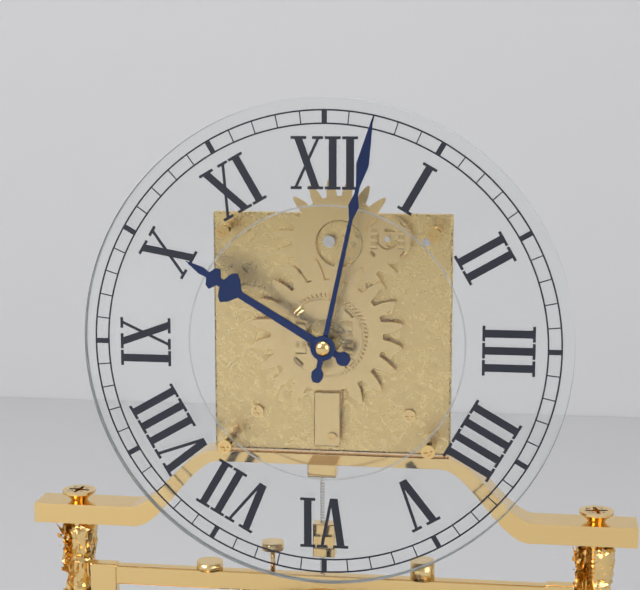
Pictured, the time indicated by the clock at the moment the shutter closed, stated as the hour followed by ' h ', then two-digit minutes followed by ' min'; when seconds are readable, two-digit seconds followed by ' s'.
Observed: 10 h 02 min
